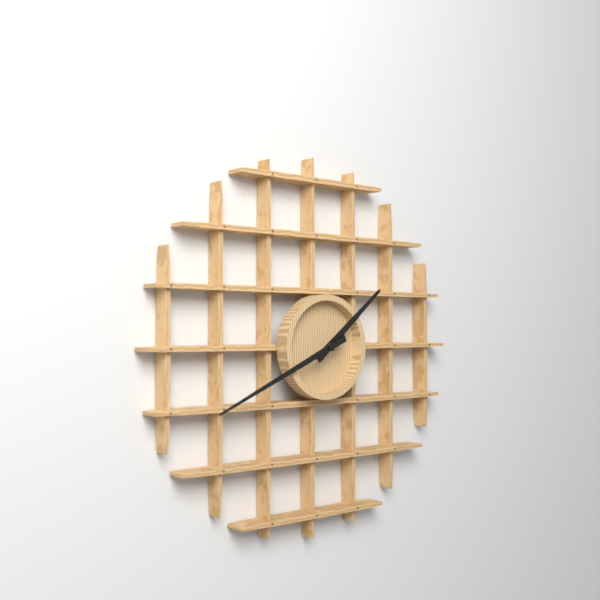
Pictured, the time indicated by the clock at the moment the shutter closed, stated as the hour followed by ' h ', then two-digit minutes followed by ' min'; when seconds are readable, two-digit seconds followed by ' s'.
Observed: 1 h 41 min
